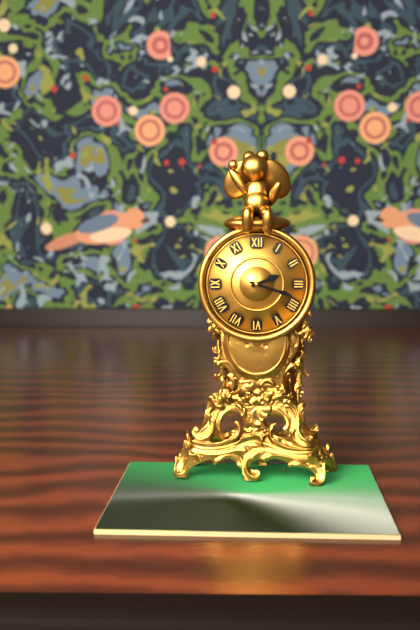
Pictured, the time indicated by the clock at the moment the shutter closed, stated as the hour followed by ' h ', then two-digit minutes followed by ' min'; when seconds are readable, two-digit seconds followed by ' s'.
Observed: 2 h 18 min
